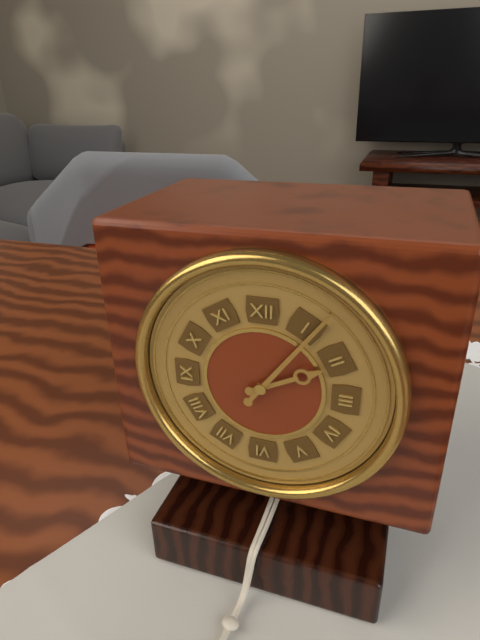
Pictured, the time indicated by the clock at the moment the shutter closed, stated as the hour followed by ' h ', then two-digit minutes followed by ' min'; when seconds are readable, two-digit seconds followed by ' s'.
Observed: 2 h 06 min
